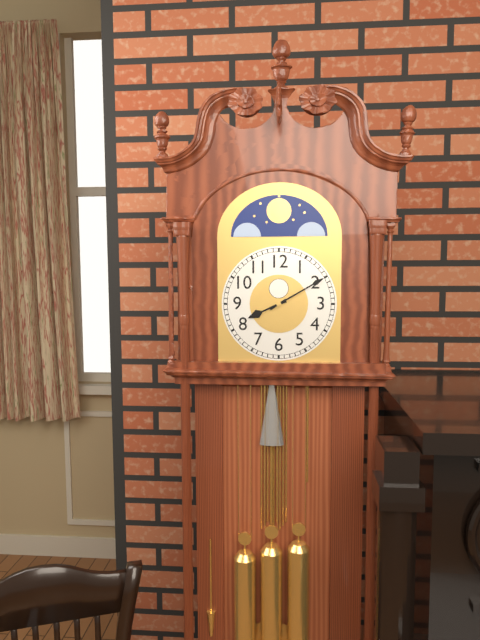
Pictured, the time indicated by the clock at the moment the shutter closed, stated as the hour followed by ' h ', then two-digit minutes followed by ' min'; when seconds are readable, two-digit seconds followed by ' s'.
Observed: 8 h 10 min
